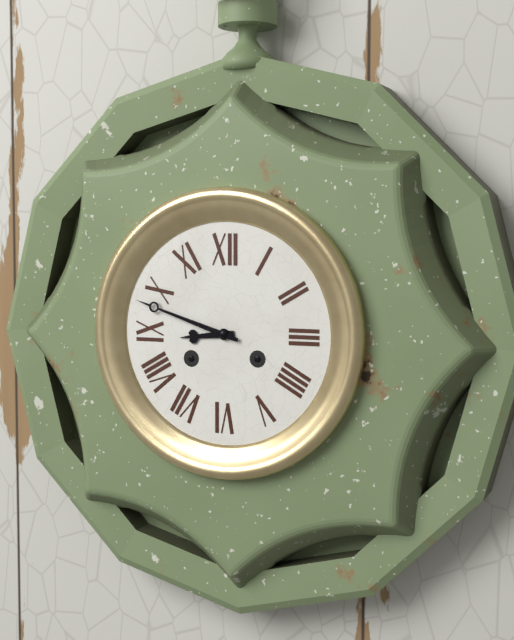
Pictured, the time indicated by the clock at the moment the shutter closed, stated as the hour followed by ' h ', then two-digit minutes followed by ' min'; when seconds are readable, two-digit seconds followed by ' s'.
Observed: 8 h 48 min
